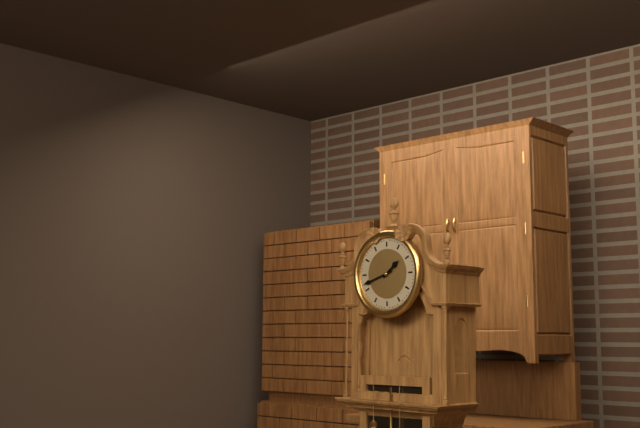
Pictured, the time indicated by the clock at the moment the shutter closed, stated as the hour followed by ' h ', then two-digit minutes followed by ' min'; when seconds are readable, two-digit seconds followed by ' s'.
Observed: 1 h 42 min
